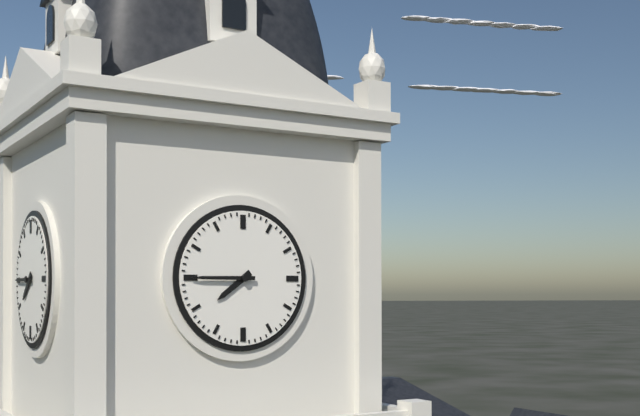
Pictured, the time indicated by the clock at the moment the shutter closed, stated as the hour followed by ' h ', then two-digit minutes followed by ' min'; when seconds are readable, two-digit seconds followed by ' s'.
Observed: 7 h 45 min
